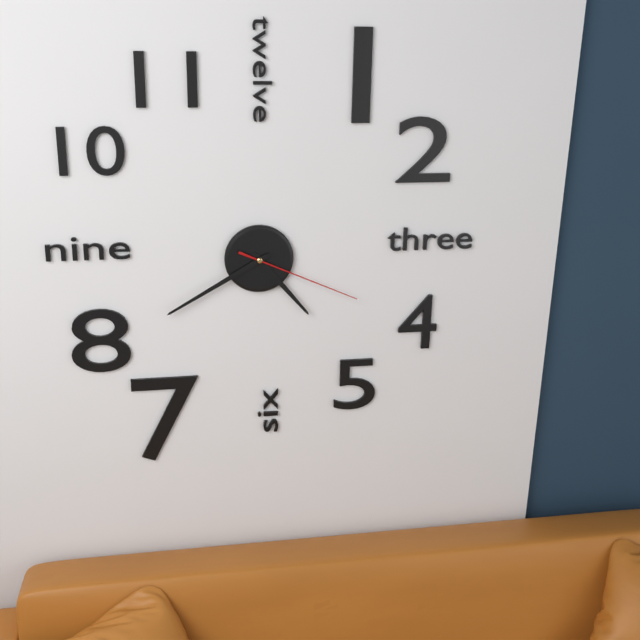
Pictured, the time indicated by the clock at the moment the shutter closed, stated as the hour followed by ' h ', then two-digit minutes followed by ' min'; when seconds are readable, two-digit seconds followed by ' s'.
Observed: 4 h 40 min 19 s
